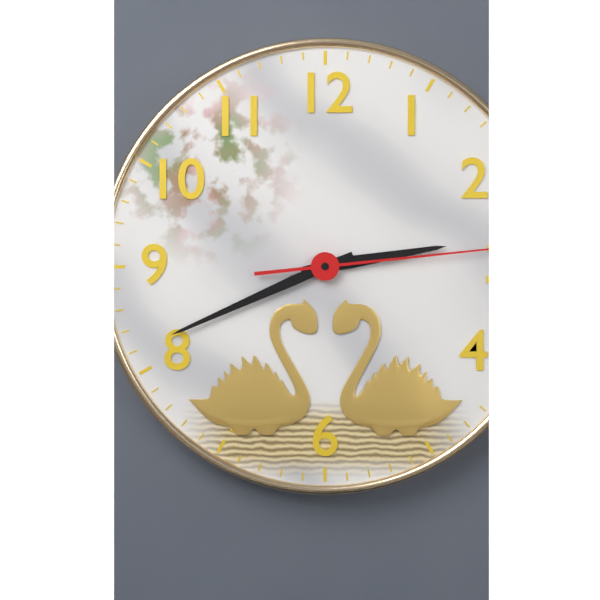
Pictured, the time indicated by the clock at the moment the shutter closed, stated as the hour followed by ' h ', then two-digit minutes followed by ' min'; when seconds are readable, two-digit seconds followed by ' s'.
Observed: 2 h 41 min 14 s
